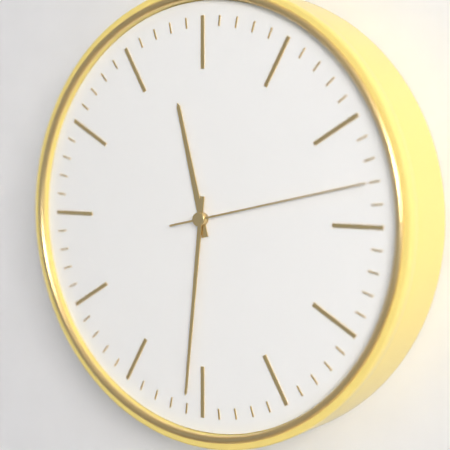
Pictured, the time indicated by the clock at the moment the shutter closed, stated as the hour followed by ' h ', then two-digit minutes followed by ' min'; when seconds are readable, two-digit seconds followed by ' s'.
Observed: 11 h 31 min 13 s
